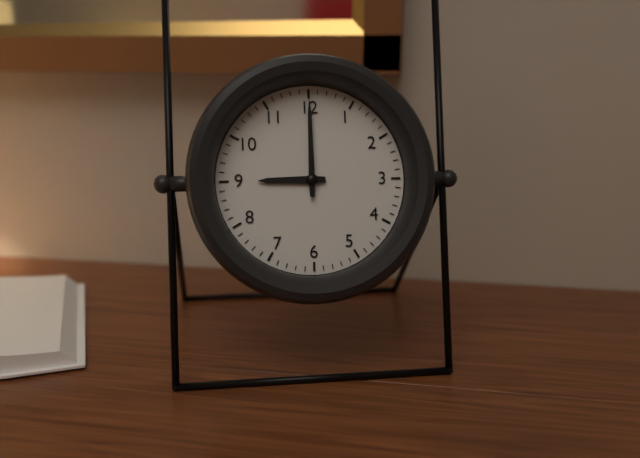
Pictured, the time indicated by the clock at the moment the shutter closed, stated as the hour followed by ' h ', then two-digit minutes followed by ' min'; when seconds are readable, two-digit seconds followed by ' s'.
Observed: 9 h 00 min
